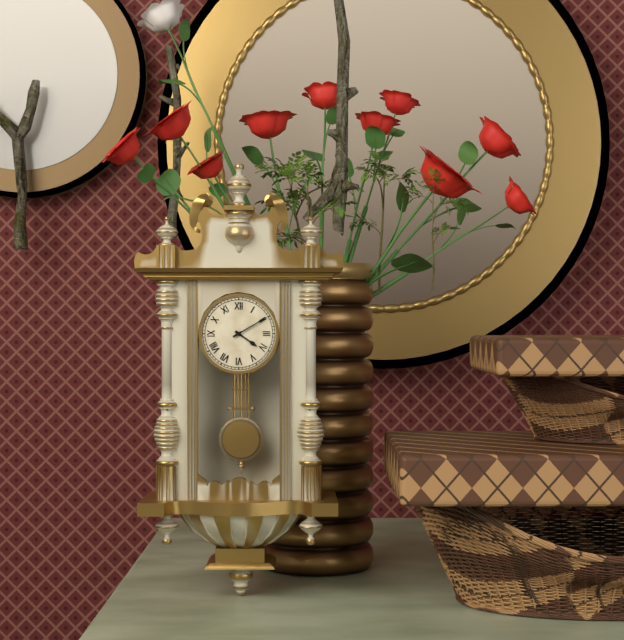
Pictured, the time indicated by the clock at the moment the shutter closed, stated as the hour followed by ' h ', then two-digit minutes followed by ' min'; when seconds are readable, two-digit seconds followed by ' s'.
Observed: 4 h 10 min
